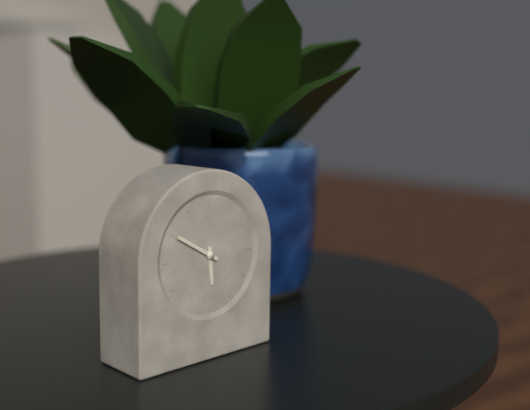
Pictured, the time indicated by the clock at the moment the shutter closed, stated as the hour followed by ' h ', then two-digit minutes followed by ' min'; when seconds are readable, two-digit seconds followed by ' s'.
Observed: 5 h 50 min
